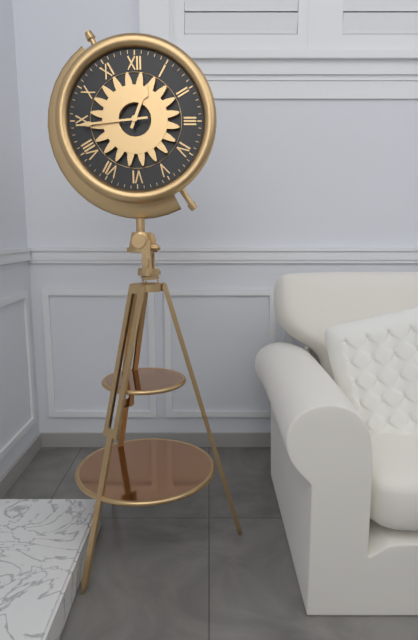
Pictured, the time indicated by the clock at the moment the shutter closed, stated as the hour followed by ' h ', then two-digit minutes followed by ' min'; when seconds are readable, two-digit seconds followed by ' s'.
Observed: 12 h 44 min
